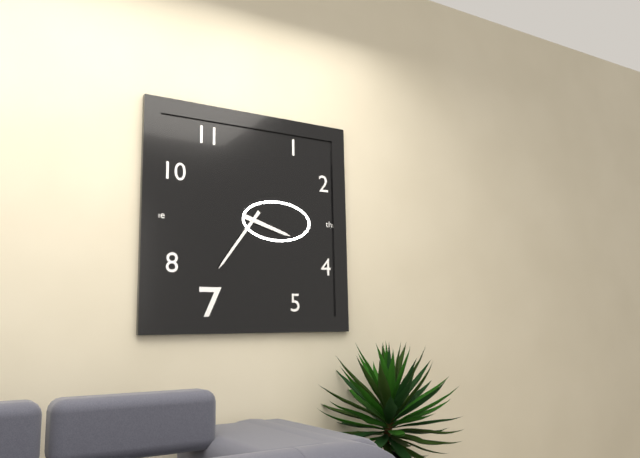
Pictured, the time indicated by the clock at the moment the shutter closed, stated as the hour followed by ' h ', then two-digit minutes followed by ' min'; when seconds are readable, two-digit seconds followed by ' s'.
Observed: 3 h 36 min
